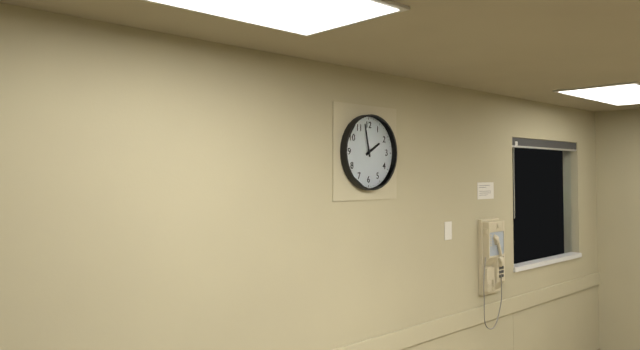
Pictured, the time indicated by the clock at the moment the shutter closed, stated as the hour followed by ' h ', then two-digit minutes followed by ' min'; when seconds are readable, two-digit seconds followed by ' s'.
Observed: 1 h 58 min
